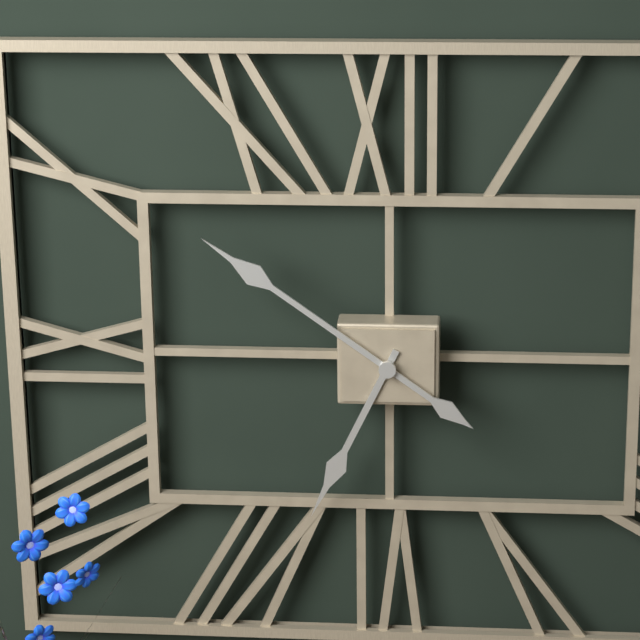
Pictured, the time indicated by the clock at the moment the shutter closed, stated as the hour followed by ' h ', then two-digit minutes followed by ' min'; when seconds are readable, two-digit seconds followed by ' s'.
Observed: 6 h 51 min
